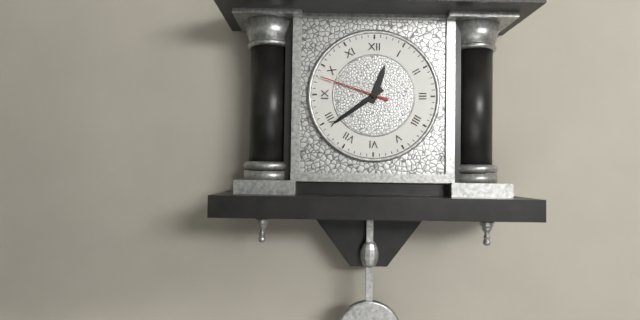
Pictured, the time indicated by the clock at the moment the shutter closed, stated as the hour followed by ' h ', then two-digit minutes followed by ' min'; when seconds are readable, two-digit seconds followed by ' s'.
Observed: 12 h 39 min 48 s
